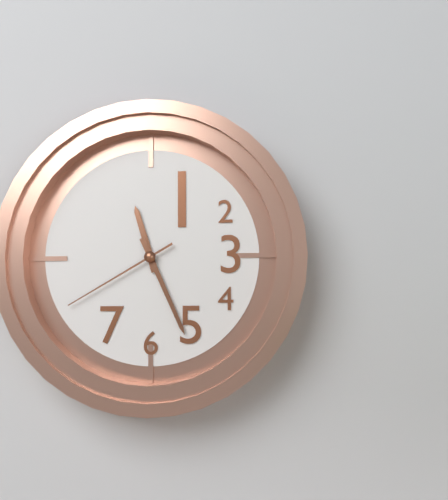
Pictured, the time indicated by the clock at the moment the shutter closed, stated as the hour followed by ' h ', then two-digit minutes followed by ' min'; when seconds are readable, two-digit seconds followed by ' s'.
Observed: 11 h 26 min 40 s
